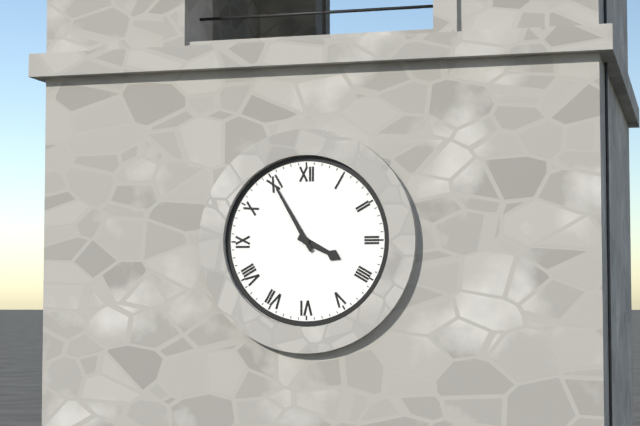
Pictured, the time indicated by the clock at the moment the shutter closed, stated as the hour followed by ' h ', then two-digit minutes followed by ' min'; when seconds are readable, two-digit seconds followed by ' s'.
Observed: 3 h 55 min
